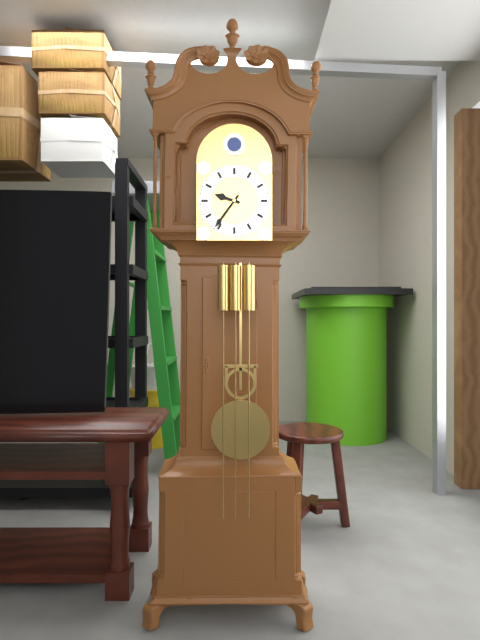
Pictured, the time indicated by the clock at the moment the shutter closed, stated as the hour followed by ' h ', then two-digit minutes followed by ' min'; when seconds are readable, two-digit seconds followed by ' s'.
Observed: 9 h 36 min
